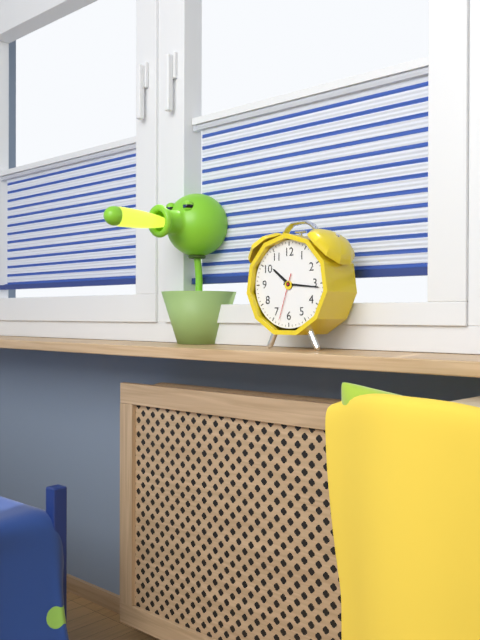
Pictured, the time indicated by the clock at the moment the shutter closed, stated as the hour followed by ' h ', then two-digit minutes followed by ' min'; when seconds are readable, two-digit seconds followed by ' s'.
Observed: 10 h 16 min
